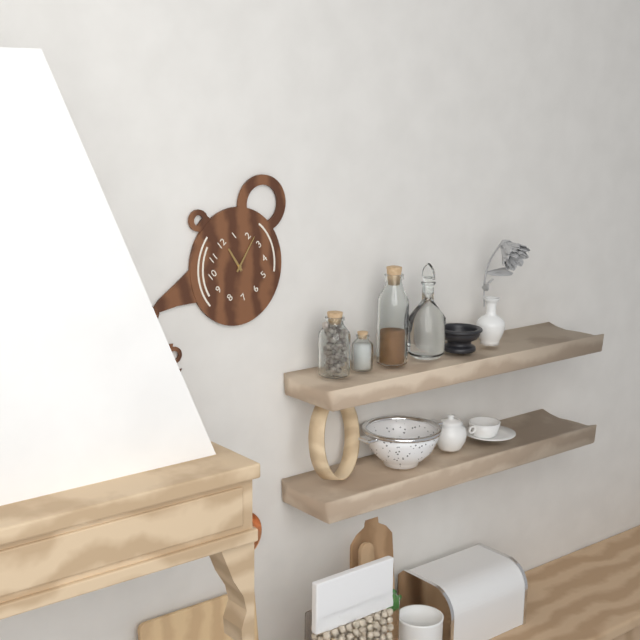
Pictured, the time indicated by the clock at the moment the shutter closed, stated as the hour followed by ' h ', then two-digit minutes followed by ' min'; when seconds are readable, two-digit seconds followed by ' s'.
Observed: 12 h 12 min
